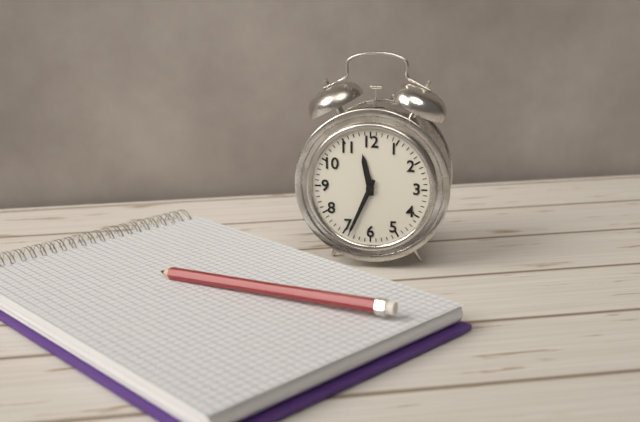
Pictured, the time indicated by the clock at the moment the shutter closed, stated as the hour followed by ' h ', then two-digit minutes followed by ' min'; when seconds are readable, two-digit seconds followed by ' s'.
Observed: 11 h 34 min
